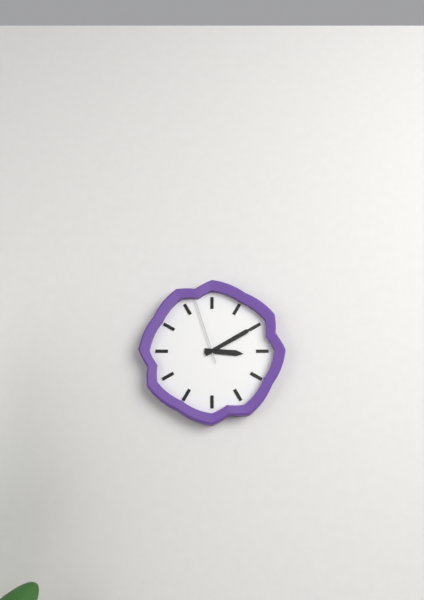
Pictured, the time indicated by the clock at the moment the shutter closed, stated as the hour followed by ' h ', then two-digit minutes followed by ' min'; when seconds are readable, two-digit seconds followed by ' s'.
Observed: 3 h 10 min 57 s
